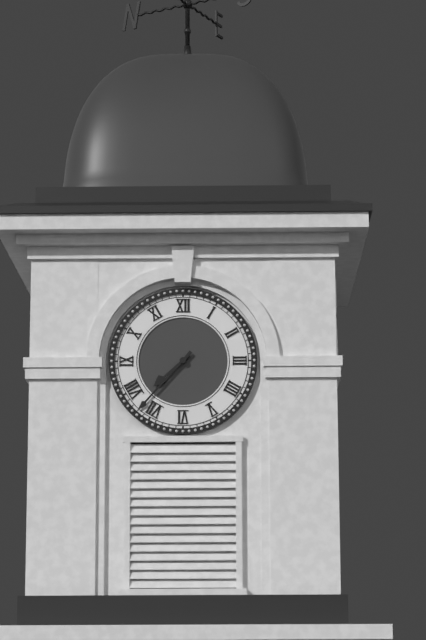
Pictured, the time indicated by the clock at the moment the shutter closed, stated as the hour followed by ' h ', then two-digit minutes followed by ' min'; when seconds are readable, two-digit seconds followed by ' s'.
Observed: 7 h 37 min
